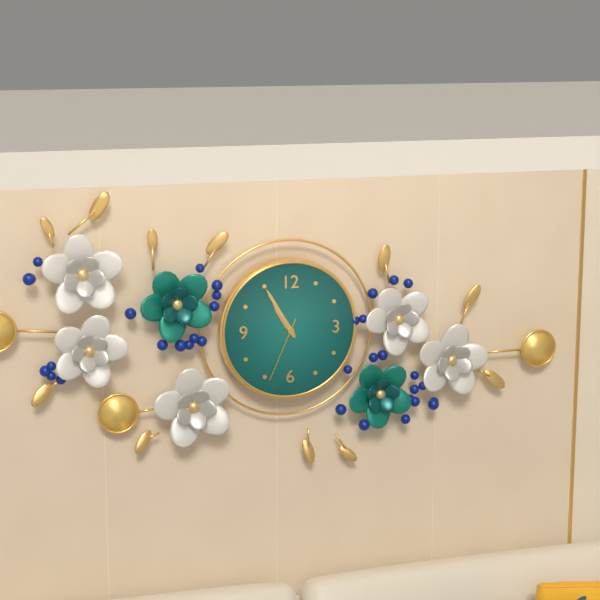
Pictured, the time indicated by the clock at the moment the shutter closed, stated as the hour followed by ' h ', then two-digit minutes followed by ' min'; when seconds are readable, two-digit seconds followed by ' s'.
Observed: 10 h 55 min 34 s
